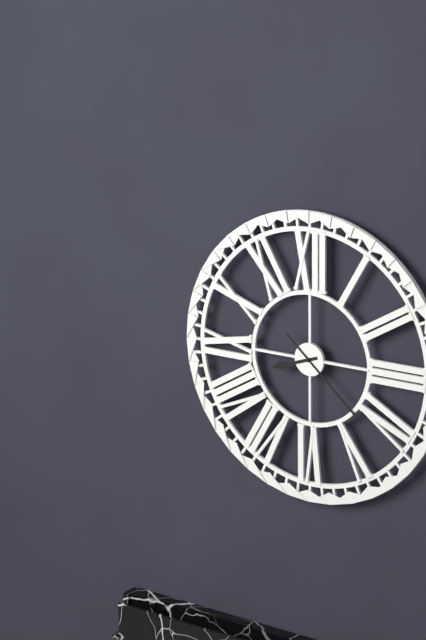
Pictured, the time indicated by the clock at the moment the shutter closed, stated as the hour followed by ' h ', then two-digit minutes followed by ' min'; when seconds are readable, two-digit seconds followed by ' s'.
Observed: 8 h 22 min
